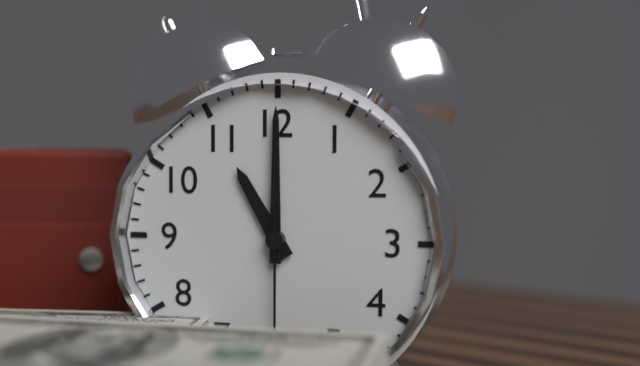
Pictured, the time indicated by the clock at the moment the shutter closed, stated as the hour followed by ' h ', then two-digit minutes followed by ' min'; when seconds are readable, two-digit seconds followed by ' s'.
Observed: 11 h 00 min
